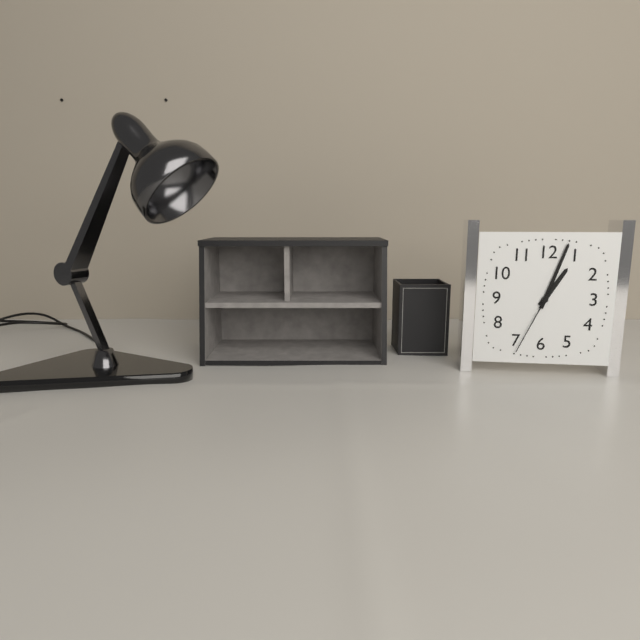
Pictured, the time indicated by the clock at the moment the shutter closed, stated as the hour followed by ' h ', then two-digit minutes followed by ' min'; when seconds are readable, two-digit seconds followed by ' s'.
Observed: 1 h 03 min 34 s
